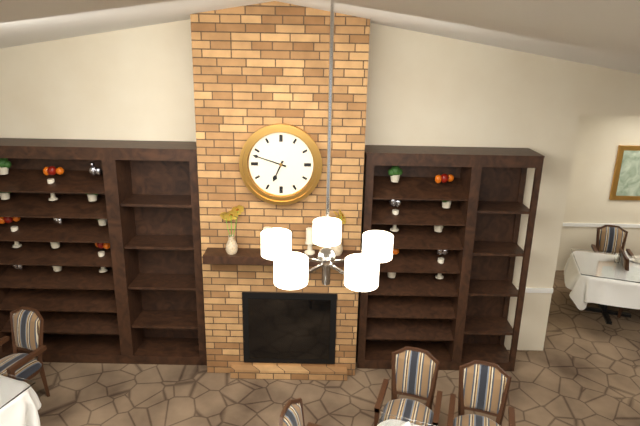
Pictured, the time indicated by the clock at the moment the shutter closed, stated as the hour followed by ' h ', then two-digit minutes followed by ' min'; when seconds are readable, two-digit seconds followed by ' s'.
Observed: 6 h 48 min
